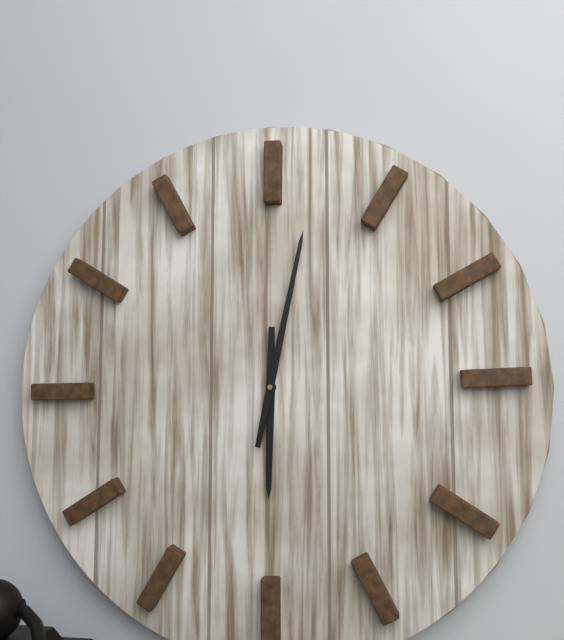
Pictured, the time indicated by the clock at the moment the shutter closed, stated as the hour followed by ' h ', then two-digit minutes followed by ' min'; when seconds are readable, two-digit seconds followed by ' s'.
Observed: 6 h 02 min
